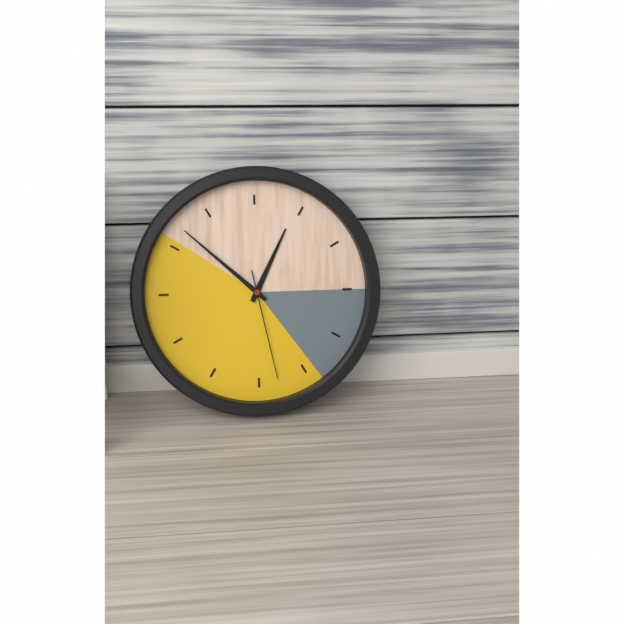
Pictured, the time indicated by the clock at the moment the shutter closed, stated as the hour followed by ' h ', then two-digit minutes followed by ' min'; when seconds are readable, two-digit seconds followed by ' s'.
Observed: 12 h 52 min 28 s
